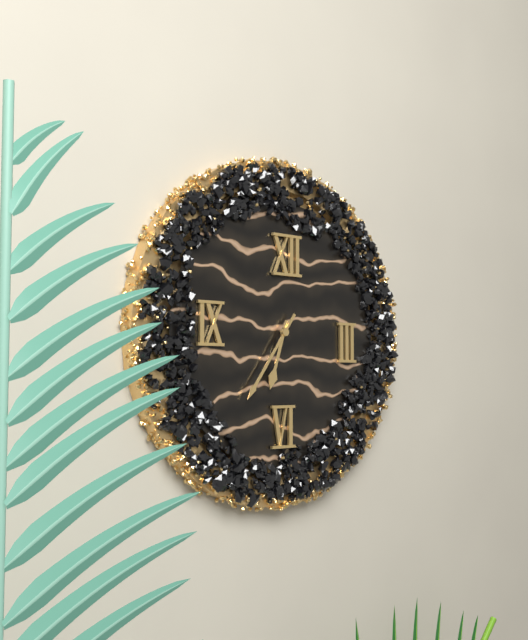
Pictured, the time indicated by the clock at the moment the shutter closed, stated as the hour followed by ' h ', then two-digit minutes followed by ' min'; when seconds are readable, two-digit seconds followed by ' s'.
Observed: 6 h 36 min
